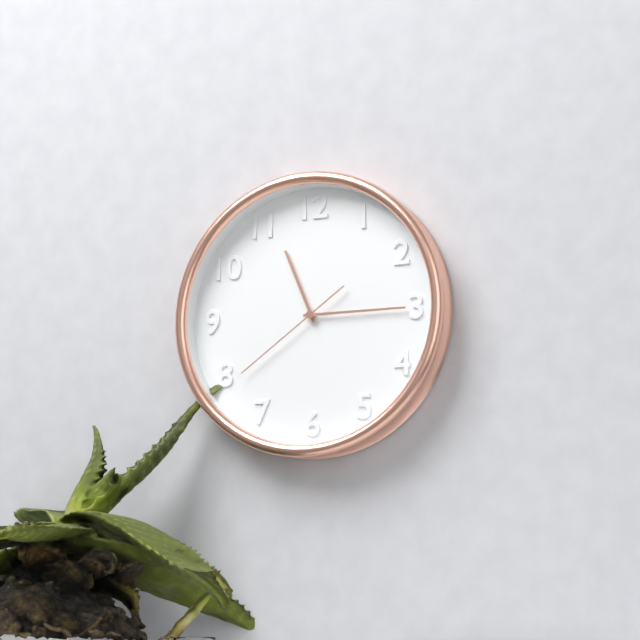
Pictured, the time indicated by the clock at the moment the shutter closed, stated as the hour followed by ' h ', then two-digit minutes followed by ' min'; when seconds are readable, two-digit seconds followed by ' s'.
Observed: 11 h 15 min 39 s
